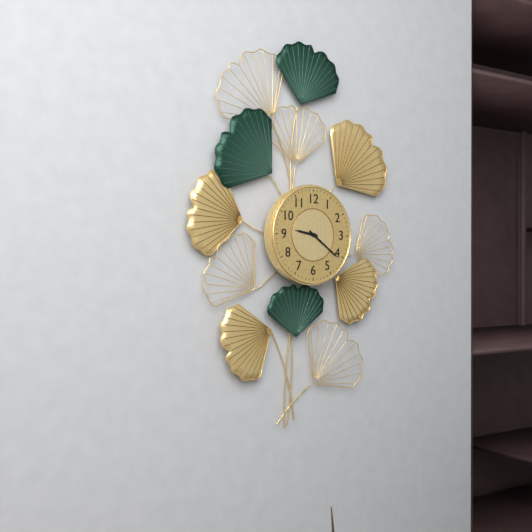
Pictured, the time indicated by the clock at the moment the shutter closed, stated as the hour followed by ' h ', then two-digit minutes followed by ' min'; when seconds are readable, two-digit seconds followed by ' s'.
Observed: 9 h 21 min
